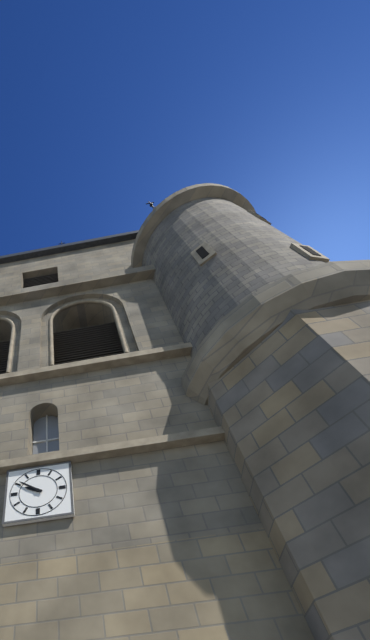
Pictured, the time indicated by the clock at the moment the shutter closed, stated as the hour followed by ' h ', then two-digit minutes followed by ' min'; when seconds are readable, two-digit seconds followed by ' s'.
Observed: 9 h 51 min
